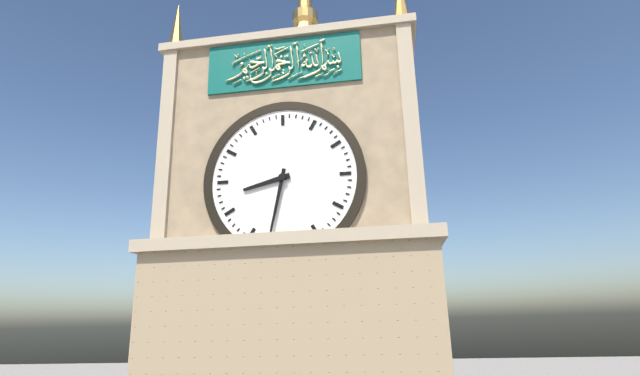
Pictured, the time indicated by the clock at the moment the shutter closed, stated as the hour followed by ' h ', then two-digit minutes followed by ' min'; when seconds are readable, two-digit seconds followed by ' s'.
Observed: 8 h 32 min
